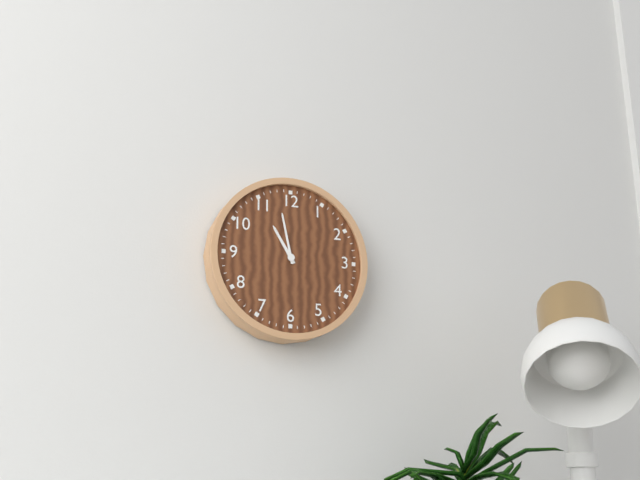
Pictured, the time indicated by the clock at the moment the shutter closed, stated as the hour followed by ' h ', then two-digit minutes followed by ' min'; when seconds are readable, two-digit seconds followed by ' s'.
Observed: 10 h 58 min
